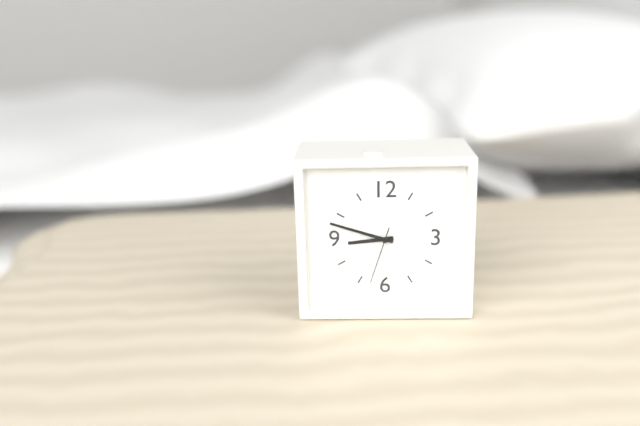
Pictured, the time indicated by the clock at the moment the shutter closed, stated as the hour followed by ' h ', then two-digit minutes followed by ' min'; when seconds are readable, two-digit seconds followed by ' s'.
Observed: 8 h 48 min 33 s
